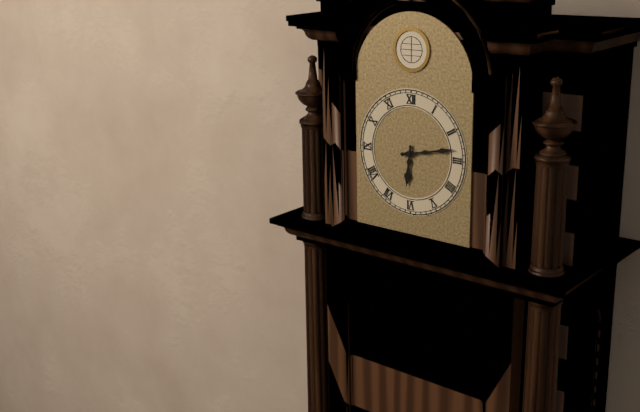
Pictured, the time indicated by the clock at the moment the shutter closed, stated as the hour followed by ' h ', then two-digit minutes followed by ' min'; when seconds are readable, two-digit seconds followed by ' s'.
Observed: 6 h 13 min
